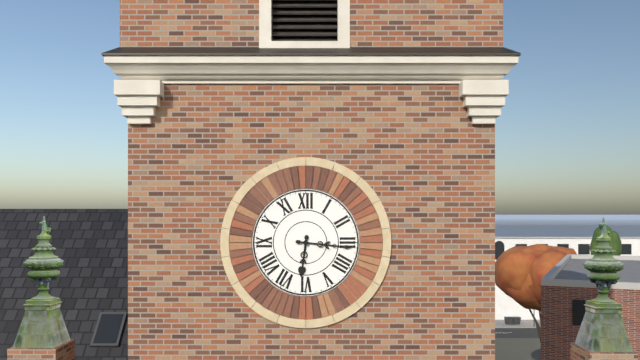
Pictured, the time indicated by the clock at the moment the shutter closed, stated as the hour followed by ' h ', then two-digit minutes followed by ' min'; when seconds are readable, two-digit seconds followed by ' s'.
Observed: 6 h 16 min
